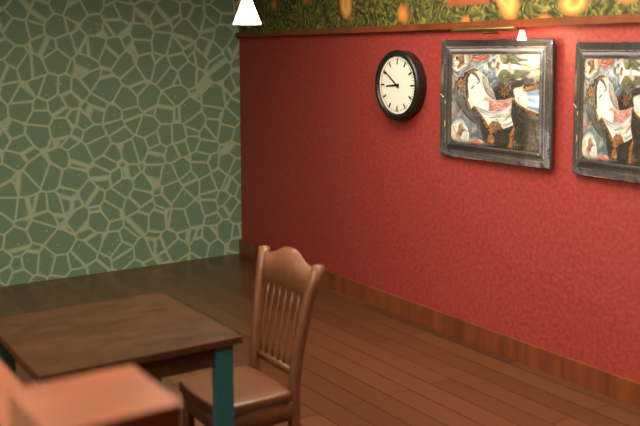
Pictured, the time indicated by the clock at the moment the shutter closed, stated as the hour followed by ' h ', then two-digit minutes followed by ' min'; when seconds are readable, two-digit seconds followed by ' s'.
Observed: 8 h 51 min
